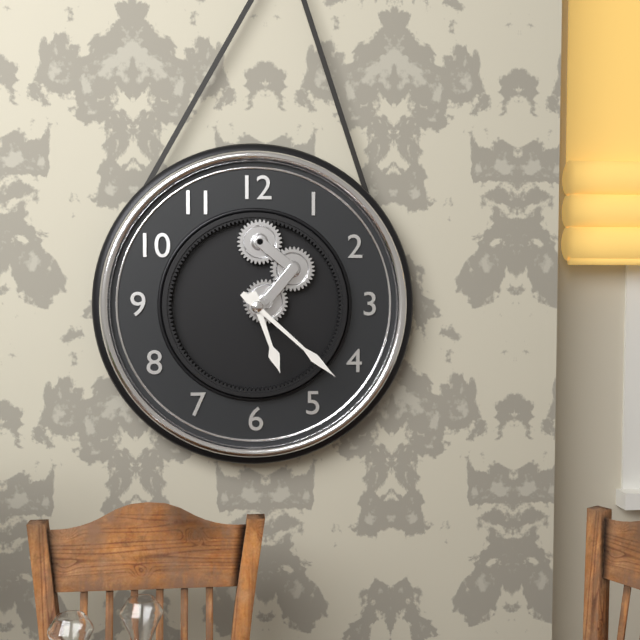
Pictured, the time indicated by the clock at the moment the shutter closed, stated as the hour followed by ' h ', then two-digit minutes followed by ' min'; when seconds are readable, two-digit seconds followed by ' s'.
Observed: 5 h 22 min
